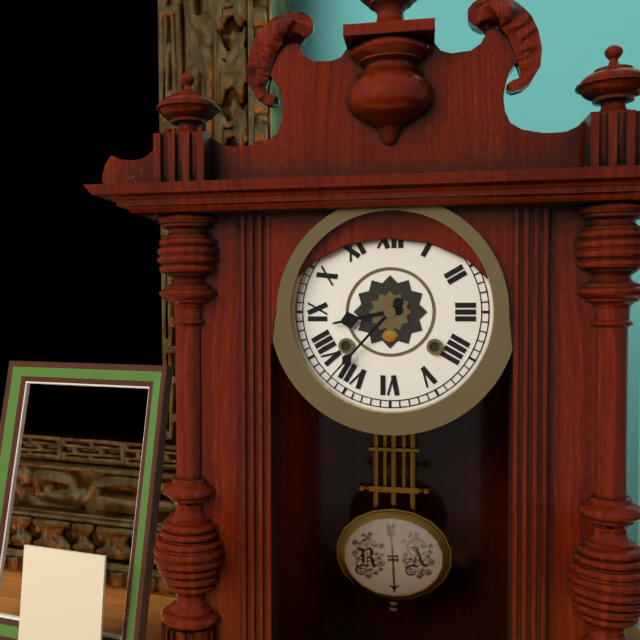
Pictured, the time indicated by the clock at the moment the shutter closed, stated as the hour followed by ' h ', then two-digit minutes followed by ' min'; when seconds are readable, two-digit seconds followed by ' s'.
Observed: 8 h 37 min
